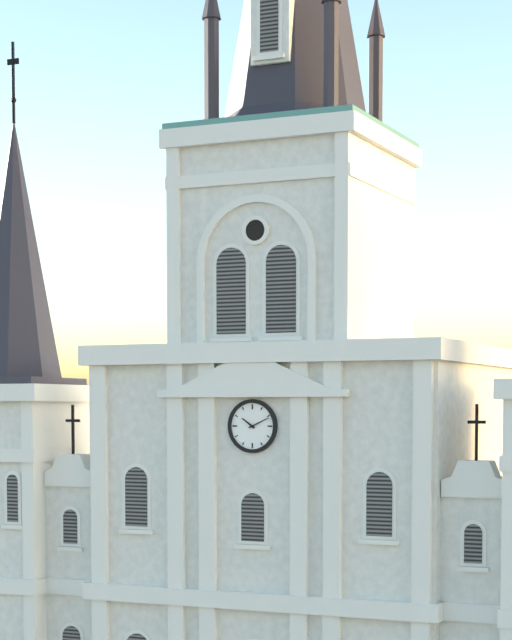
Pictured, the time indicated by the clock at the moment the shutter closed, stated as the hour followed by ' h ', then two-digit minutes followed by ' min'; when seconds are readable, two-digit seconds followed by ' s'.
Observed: 10 h 11 min
